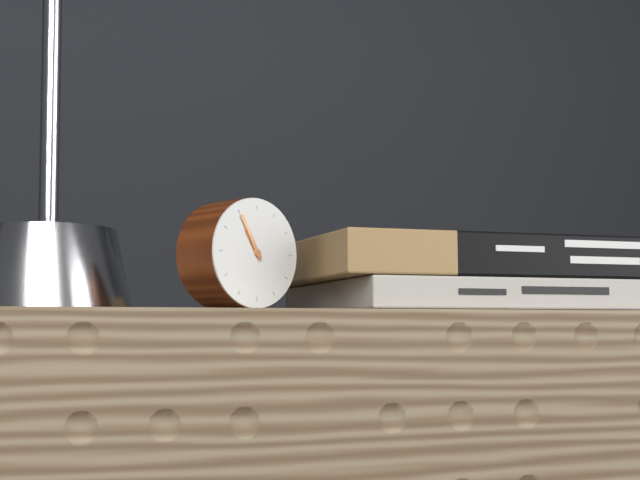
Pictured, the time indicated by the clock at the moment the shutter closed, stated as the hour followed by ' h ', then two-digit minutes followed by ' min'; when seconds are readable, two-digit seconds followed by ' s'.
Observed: 10 h 55 min
